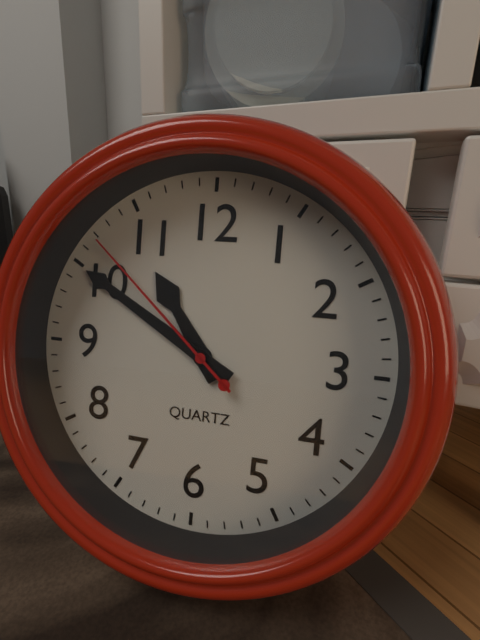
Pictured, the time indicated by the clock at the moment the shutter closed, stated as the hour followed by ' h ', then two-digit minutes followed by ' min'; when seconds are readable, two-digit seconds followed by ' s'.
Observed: 10 h 50 min 52 s
